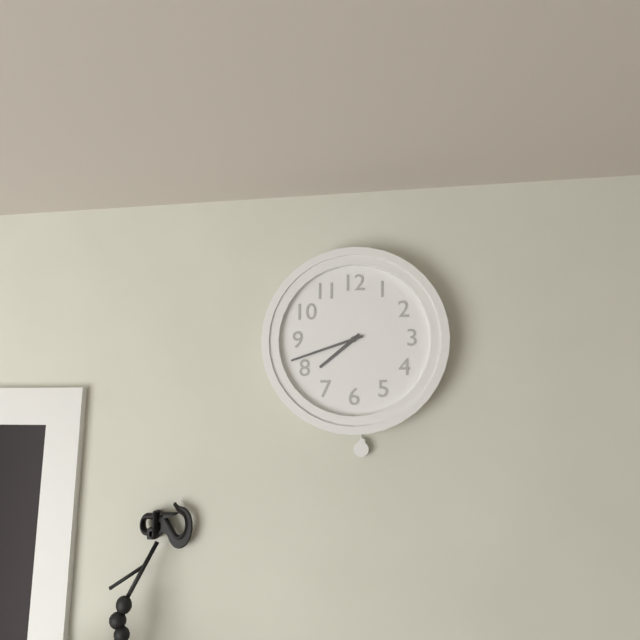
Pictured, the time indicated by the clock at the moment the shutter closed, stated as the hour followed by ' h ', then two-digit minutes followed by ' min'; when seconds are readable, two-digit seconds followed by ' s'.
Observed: 7 h 42 min
